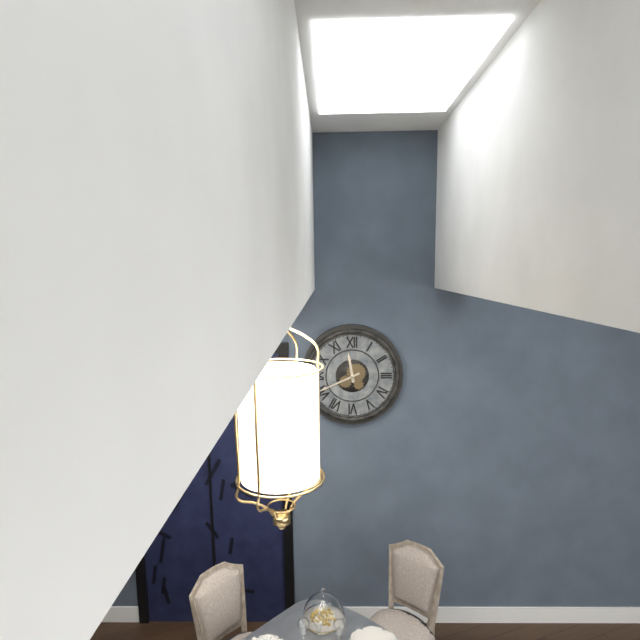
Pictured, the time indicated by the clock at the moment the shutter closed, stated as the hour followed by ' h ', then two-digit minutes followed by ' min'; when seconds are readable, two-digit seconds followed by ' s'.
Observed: 11 h 41 min
